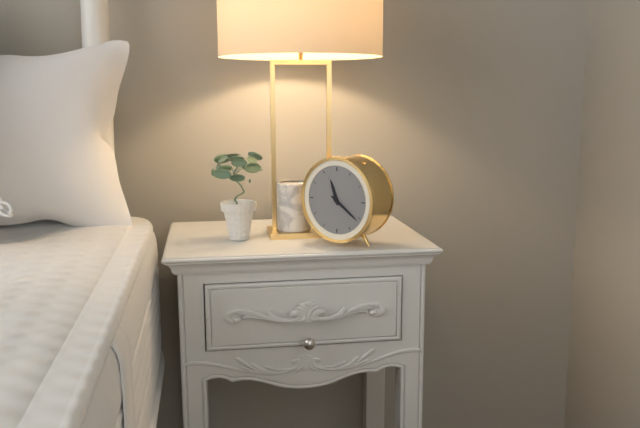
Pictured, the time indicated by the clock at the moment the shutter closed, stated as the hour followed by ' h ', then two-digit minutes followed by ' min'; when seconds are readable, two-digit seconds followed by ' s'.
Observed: 11 h 21 min
